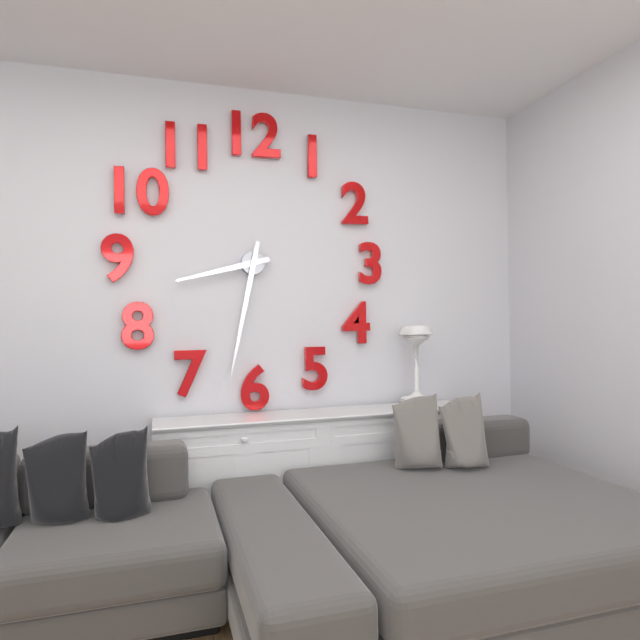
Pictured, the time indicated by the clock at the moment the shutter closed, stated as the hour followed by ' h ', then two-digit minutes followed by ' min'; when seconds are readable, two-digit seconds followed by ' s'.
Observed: 8 h 32 min
